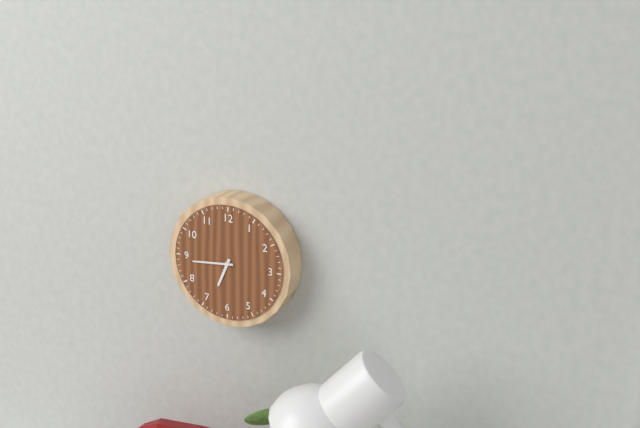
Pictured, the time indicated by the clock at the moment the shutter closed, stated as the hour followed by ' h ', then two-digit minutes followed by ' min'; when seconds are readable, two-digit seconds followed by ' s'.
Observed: 6 h 44 min
